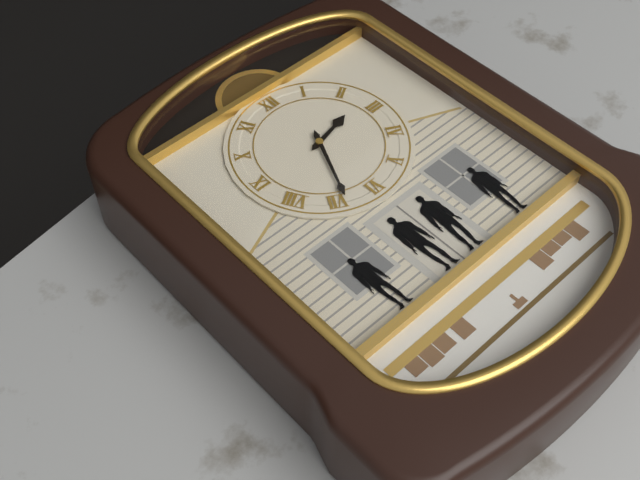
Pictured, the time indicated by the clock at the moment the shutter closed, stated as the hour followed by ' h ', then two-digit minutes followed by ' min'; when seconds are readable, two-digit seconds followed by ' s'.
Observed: 2 h 34 min
